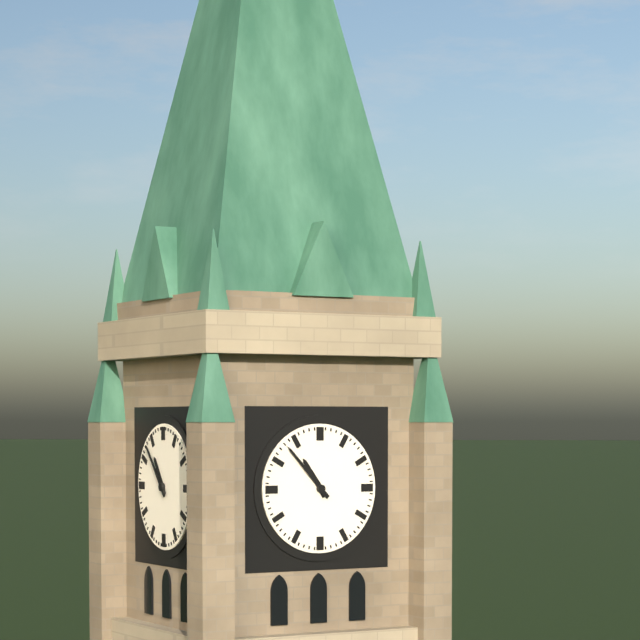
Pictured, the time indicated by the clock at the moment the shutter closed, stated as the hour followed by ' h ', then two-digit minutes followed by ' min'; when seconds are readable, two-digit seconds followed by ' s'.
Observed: 10 h 53 min
